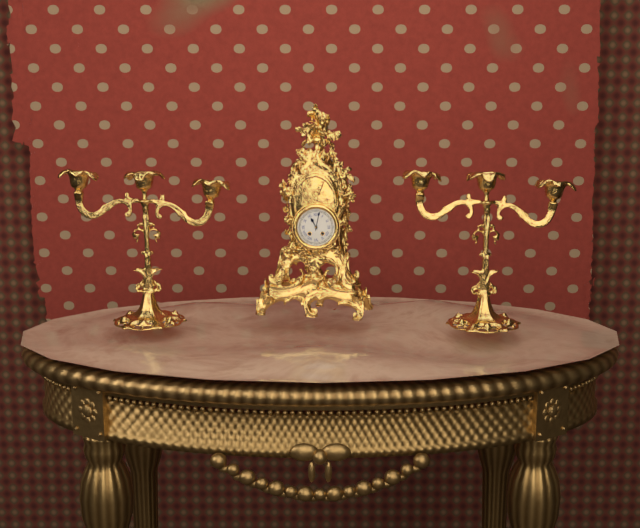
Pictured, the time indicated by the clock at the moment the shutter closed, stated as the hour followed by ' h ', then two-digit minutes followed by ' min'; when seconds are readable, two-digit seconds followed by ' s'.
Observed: 11 h 02 min
